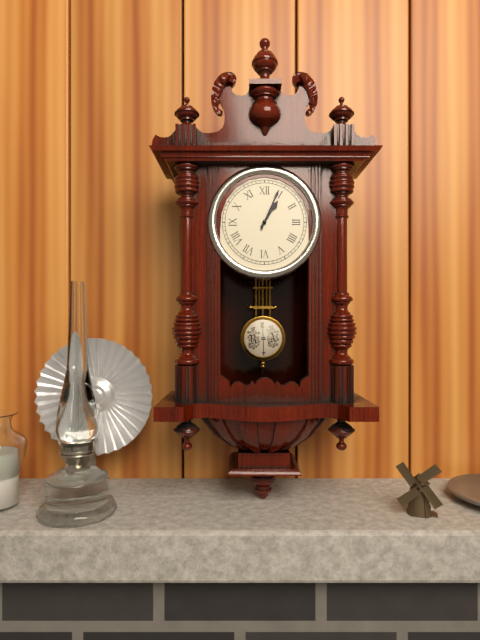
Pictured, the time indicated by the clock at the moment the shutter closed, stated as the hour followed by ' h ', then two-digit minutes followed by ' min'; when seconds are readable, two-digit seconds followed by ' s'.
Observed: 1 h 04 min
